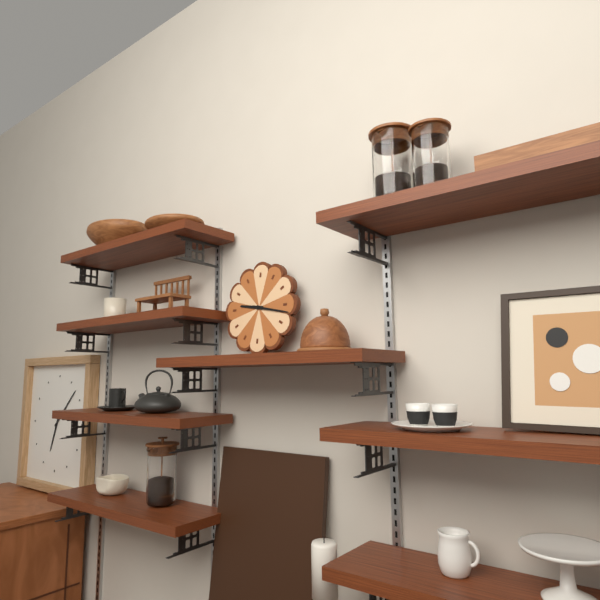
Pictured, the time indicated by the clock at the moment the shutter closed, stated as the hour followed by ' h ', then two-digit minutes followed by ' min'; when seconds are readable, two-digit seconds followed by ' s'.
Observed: 9 h 17 min
